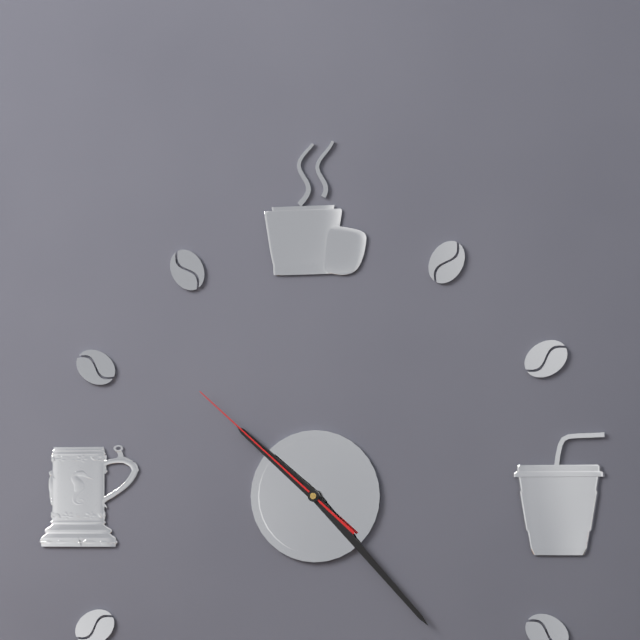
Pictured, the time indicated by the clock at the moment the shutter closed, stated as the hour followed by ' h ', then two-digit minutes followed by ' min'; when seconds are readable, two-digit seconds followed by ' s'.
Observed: 10 h 23 min 52 s
